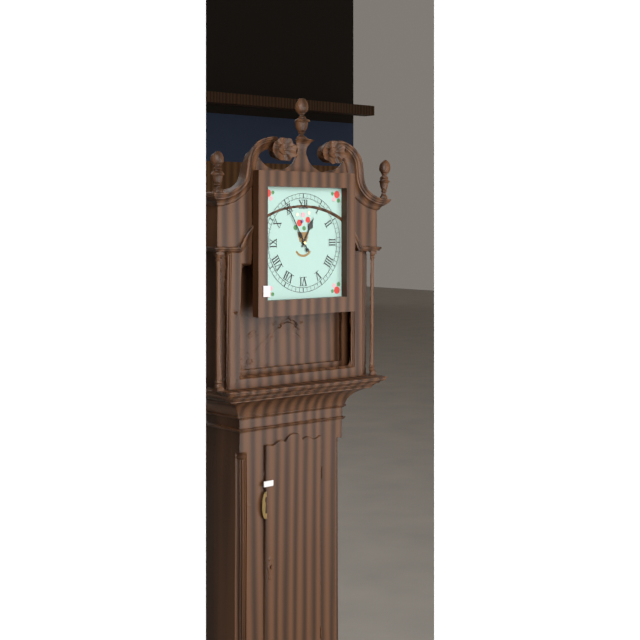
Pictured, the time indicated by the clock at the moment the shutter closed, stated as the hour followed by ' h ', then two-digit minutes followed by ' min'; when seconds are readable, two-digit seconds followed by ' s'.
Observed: 12 h 55 min
